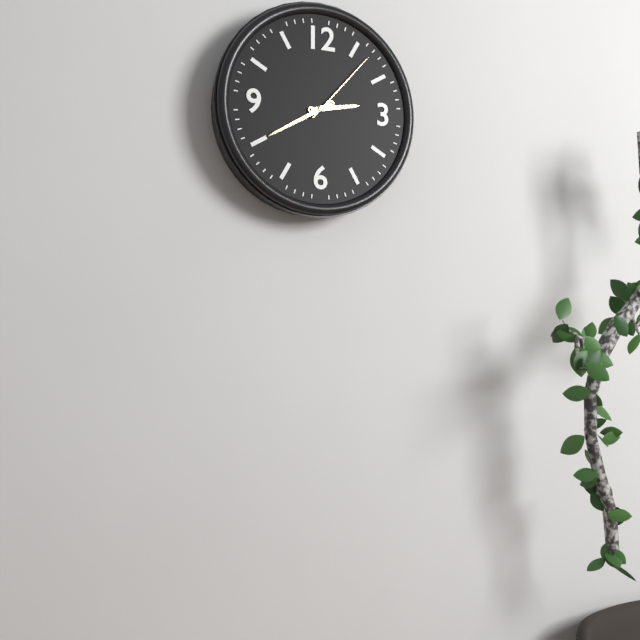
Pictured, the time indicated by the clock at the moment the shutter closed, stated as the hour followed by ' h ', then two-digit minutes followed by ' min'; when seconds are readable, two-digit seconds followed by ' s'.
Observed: 2 h 40 min 07 s
